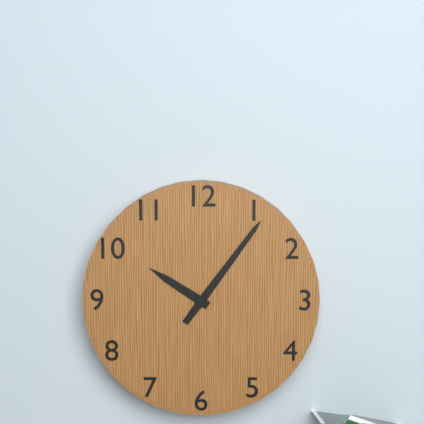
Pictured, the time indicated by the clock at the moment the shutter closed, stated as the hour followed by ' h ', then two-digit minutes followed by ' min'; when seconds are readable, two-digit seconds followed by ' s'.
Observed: 10 h 06 min
